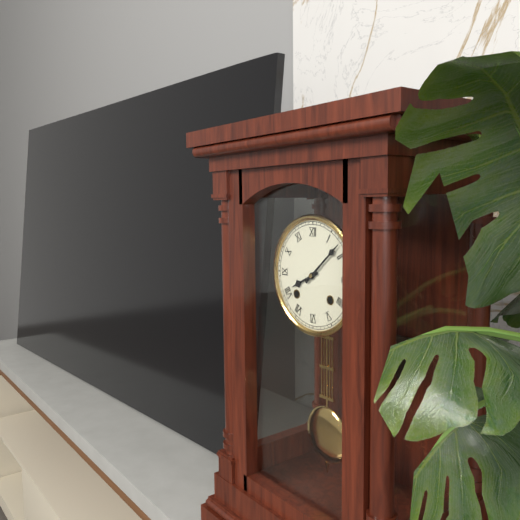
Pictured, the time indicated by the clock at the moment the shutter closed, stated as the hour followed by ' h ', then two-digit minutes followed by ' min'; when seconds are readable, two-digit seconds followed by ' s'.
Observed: 8 h 08 min
